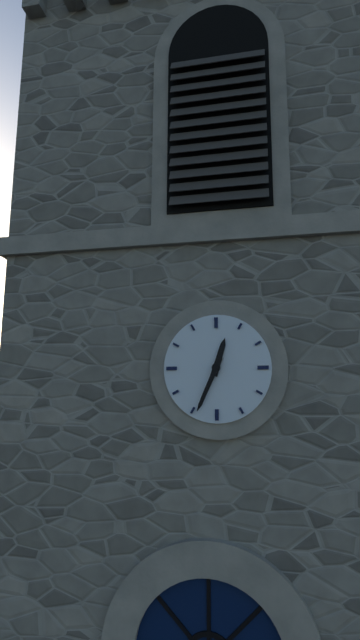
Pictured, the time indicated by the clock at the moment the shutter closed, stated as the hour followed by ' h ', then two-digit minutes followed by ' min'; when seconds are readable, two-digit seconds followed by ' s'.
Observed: 12 h 34 min
